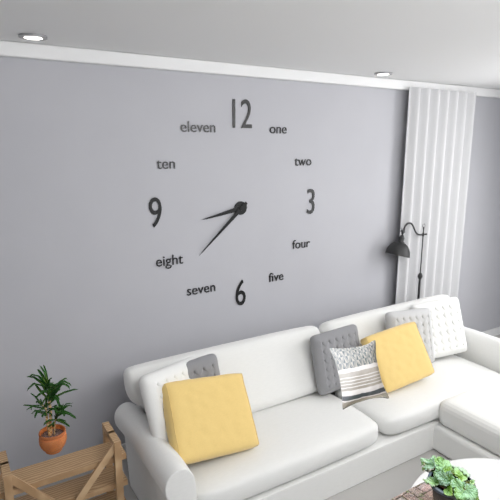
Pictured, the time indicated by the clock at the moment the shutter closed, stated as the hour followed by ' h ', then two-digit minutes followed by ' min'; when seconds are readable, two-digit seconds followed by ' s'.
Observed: 8 h 38 min
